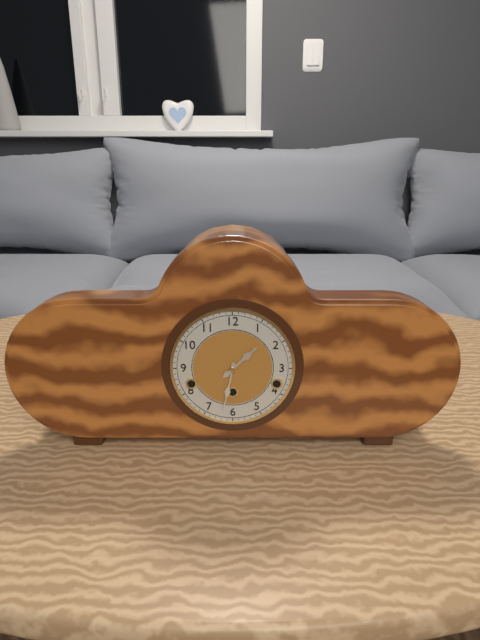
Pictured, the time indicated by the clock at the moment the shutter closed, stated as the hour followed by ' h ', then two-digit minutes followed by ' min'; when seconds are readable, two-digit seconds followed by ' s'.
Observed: 1 h 32 min
